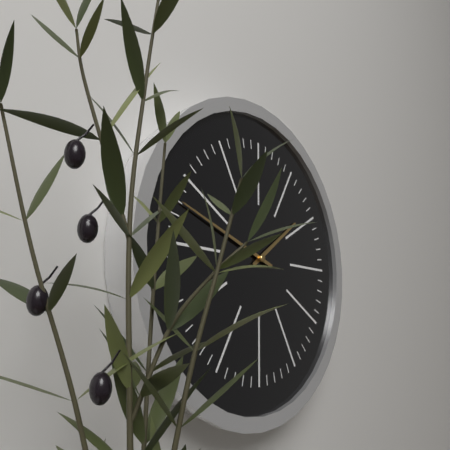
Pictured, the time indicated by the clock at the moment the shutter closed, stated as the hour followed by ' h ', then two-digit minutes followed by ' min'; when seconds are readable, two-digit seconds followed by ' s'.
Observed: 1 h 48 min
